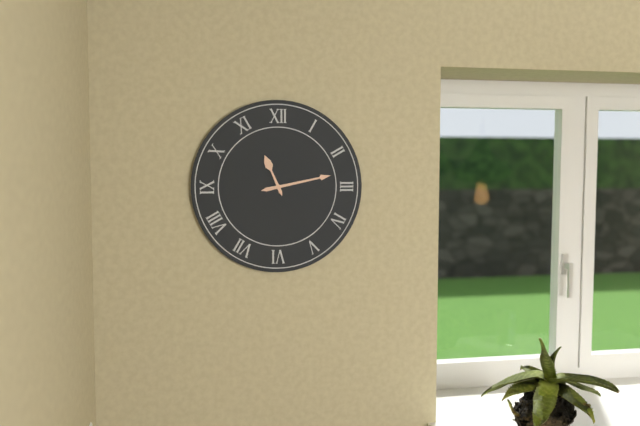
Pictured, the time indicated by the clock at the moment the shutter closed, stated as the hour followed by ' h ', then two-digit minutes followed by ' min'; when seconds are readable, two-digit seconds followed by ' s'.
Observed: 11 h 13 min
